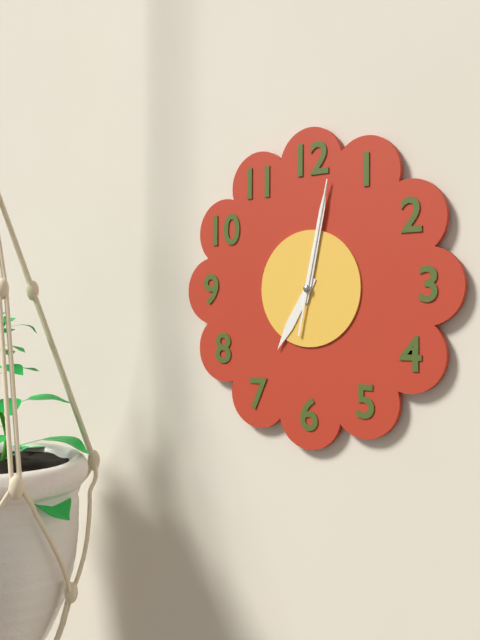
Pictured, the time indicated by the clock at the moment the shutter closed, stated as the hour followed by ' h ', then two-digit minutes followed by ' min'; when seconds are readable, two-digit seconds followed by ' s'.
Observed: 7 h 02 min 02 s
